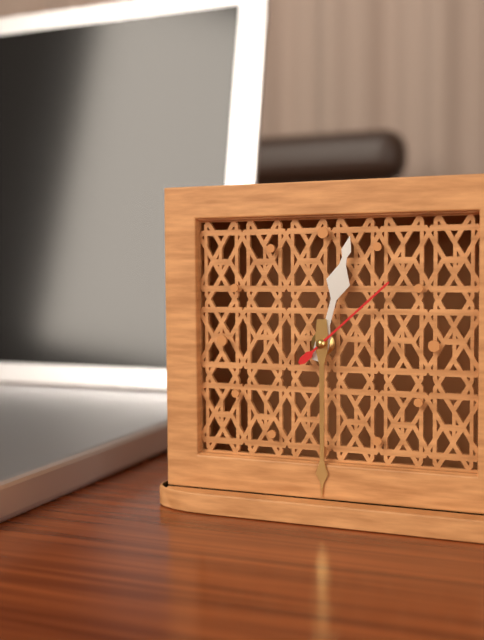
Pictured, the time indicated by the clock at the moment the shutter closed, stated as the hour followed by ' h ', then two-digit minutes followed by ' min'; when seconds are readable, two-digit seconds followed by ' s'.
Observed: 12 h 30 min 08 s
